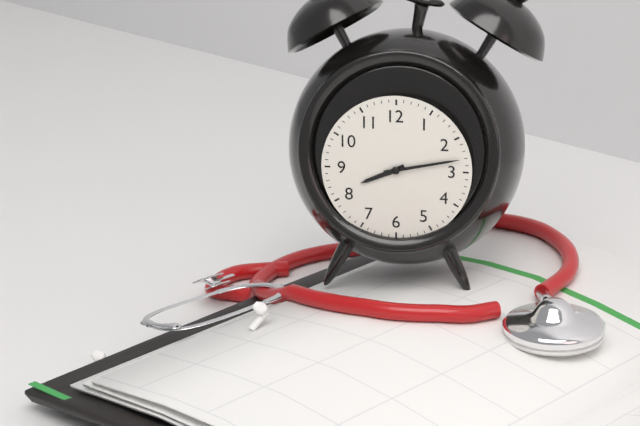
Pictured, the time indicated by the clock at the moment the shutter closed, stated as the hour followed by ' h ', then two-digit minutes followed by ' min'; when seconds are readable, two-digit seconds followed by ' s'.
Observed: 8 h 13 min
